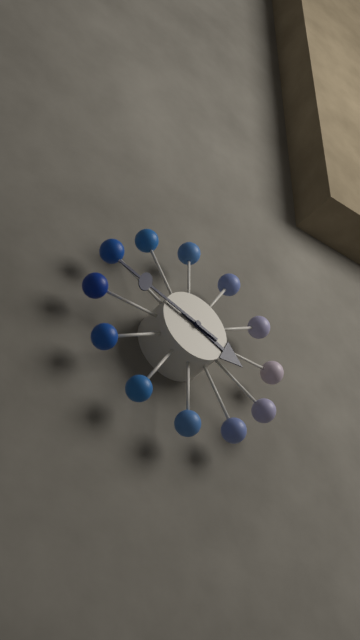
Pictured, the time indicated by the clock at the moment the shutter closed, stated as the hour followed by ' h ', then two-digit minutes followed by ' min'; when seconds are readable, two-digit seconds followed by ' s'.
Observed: 3 h 48 min
